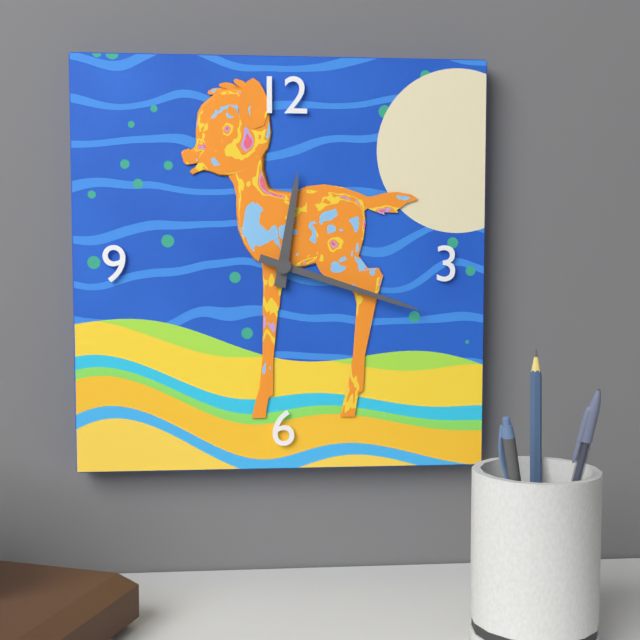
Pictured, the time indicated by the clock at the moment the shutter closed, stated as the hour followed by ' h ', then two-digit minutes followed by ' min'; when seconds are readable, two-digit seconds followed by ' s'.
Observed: 12 h 18 min
